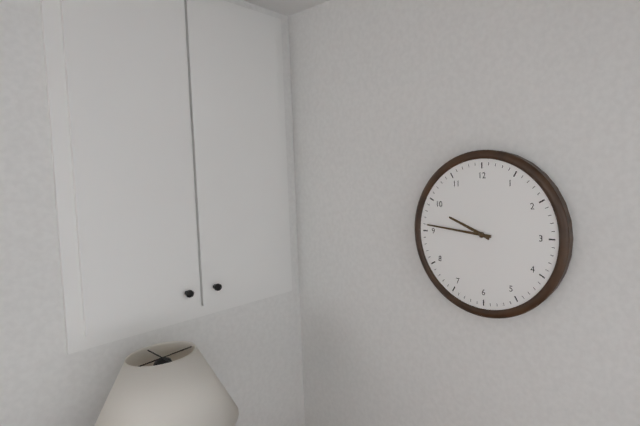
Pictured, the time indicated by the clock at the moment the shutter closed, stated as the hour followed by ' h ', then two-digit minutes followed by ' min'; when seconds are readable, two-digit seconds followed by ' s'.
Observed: 9 h 46 min
